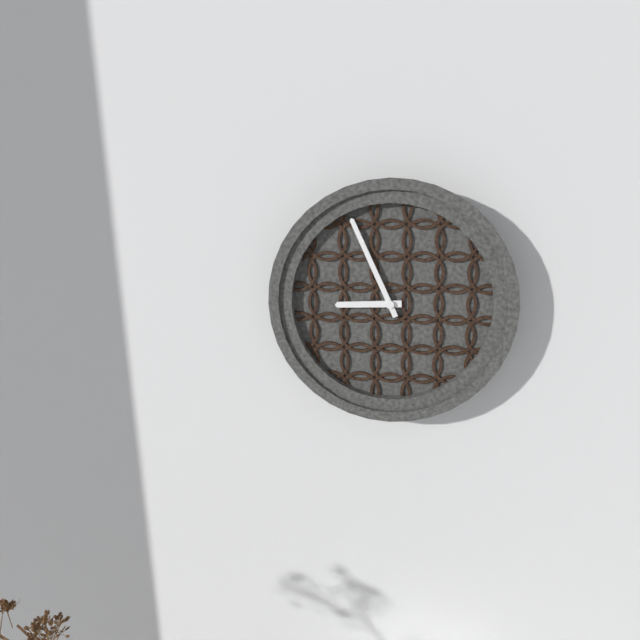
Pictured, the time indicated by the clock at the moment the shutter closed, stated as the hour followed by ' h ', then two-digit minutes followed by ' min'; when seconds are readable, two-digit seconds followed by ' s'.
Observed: 8 h 56 min
